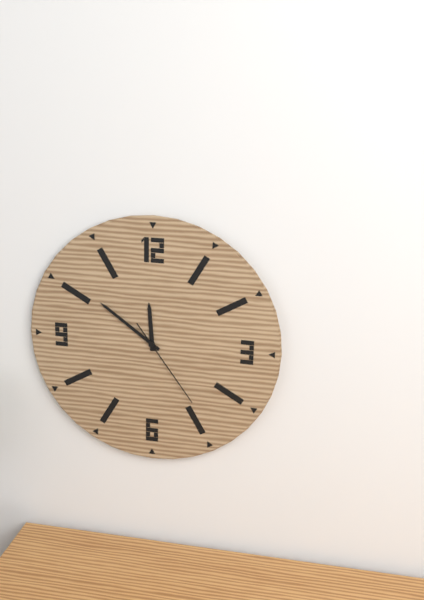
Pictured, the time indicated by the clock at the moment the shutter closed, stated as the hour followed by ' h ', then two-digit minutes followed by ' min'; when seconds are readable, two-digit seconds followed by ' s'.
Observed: 11 h 51 min 24 s
